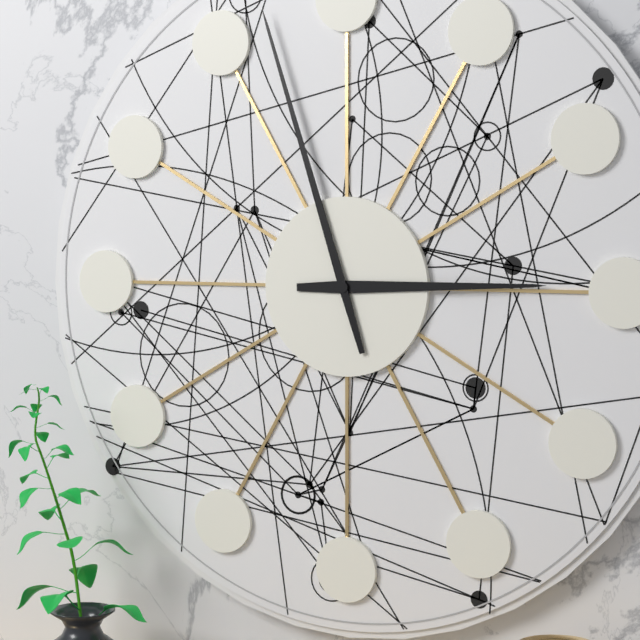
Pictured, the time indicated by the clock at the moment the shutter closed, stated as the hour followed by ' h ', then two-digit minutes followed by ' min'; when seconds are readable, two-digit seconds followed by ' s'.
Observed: 2 h 57 min
